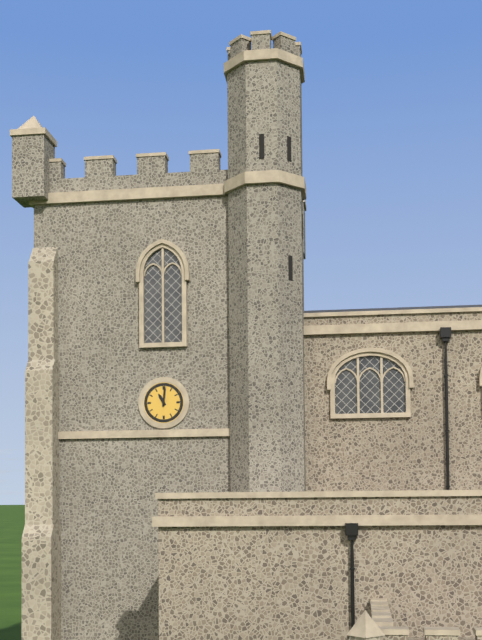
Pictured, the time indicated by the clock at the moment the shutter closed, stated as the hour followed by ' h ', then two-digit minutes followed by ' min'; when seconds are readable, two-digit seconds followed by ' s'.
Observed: 11 h 01 min
